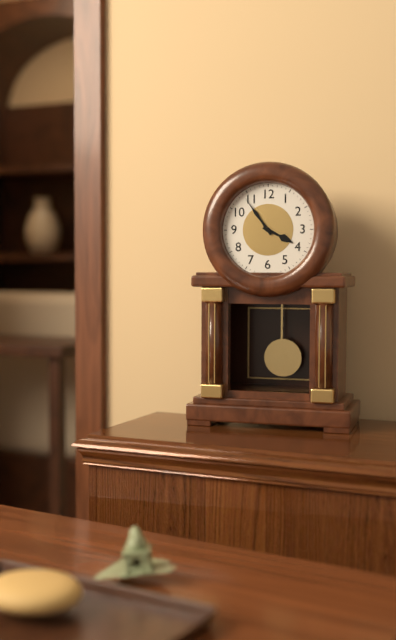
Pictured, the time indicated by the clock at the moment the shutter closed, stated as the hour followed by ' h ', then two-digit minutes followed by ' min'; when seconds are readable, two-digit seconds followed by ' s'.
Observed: 3 h 54 min
